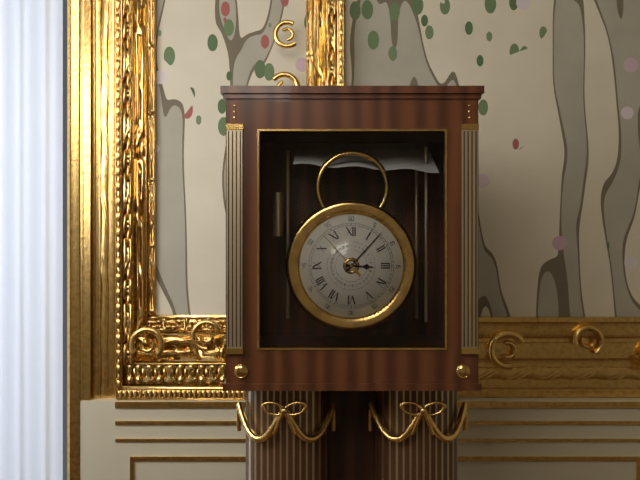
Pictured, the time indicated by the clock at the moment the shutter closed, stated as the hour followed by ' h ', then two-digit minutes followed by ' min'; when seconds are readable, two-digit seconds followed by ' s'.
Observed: 3 h 07 min 53 s
